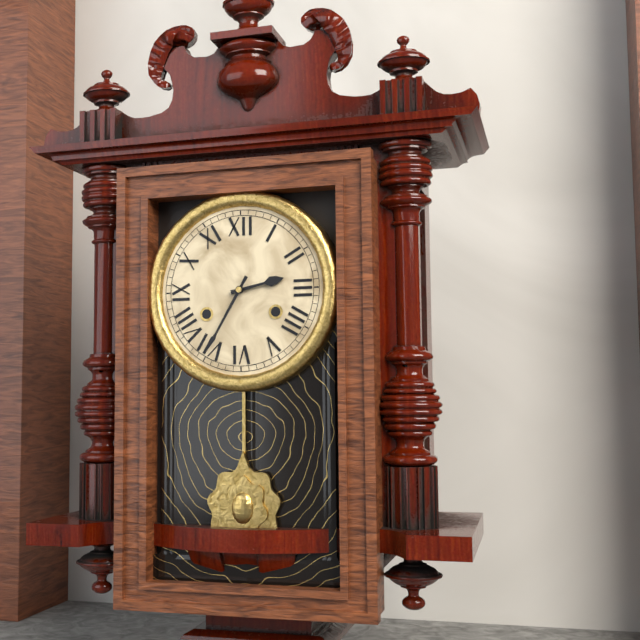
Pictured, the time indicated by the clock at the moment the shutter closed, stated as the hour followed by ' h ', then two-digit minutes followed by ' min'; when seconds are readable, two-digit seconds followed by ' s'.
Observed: 2 h 35 min
